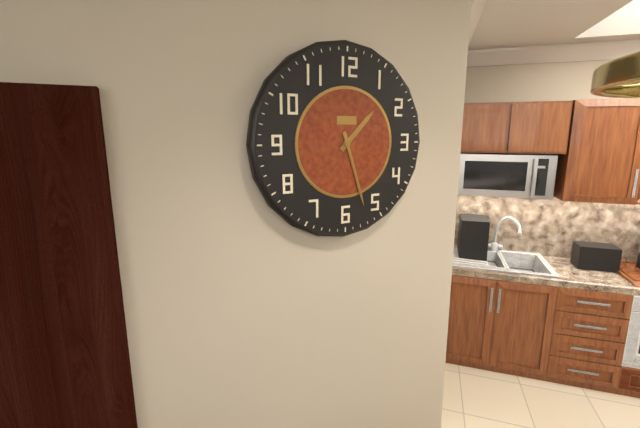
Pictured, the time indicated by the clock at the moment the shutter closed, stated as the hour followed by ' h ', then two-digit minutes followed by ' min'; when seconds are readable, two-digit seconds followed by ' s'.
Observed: 1 h 27 min
